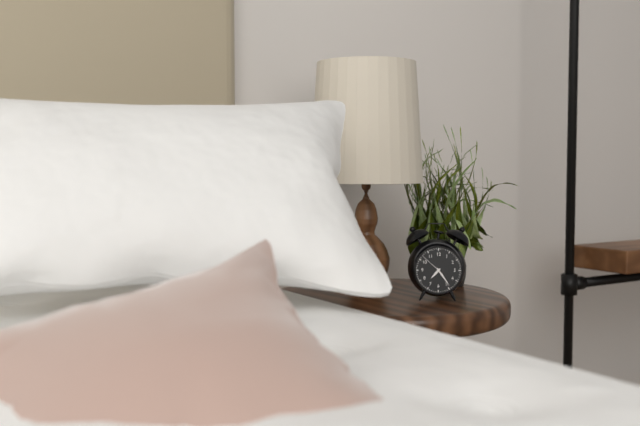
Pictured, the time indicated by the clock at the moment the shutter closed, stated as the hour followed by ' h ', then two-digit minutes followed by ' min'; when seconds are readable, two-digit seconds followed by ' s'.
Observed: 7 h 24 min
